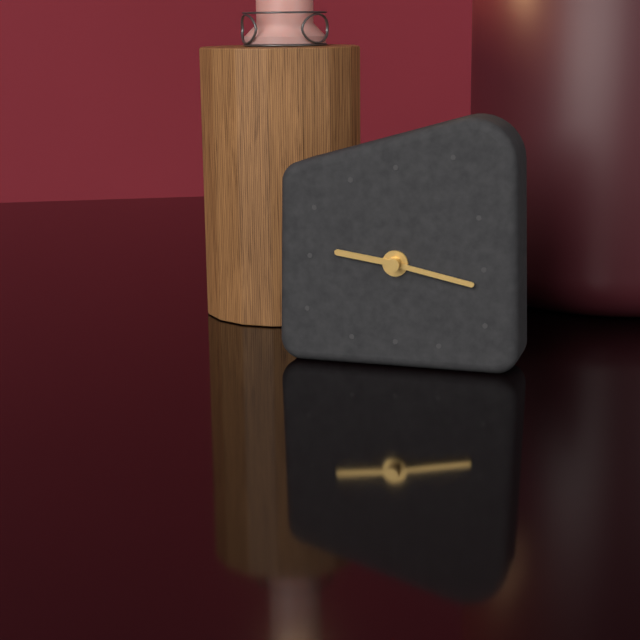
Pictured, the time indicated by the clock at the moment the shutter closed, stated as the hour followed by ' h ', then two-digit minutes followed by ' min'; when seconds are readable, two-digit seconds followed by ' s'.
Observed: 9 h 17 min
